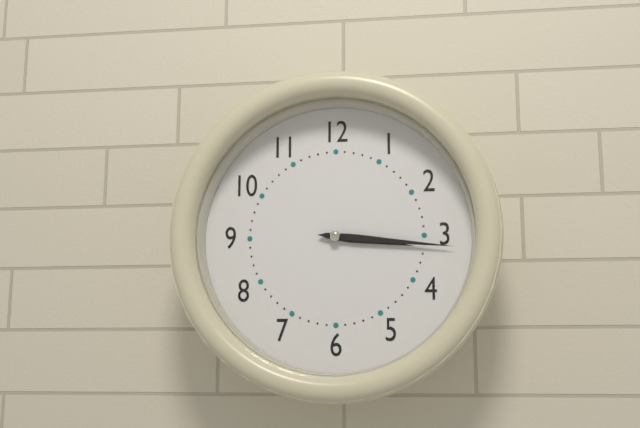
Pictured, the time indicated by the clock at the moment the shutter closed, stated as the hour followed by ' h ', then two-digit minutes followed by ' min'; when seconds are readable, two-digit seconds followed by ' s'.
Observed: 3 h 16 min
